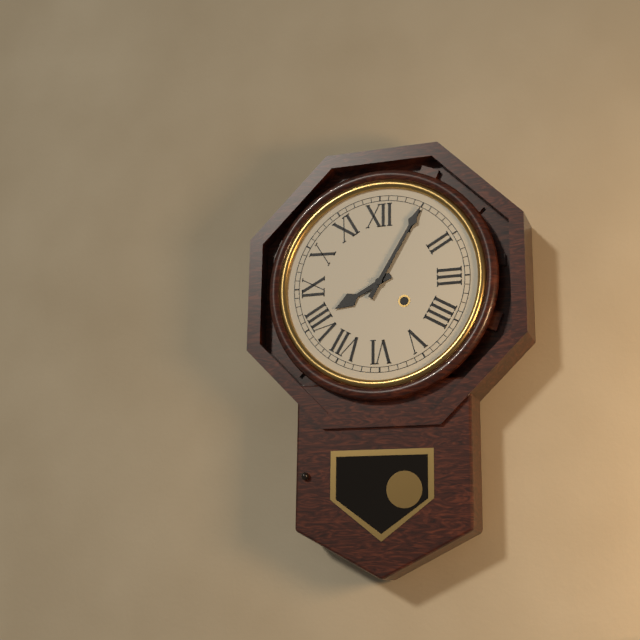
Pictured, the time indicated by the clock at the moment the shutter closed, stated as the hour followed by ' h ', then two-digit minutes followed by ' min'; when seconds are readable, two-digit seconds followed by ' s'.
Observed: 8 h 05 min
